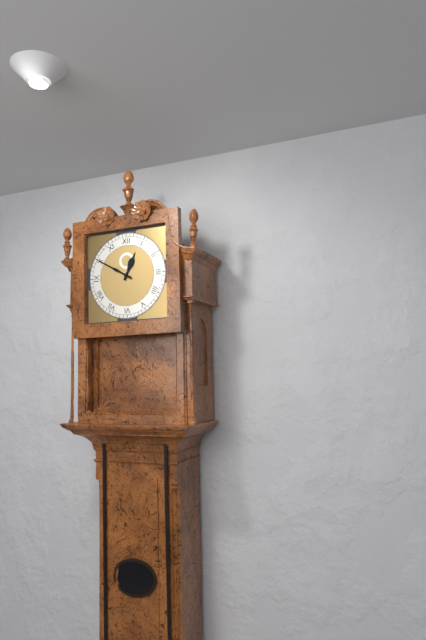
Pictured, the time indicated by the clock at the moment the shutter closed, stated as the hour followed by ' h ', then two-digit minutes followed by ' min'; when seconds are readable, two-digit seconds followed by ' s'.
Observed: 12 h 50 min
